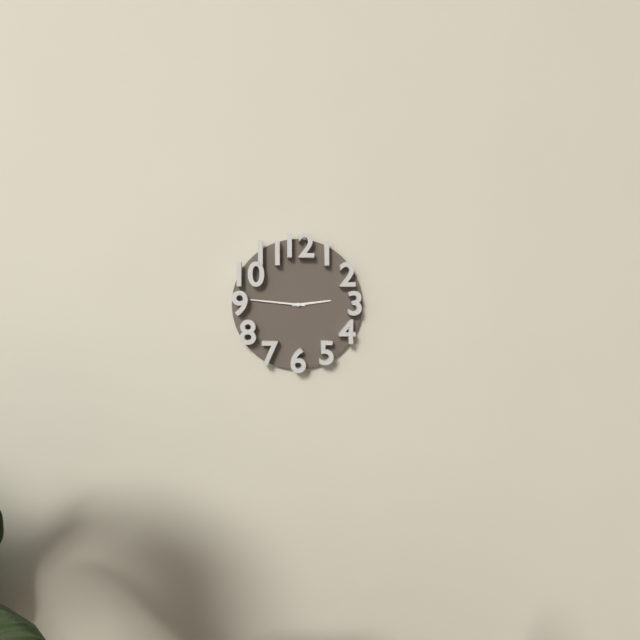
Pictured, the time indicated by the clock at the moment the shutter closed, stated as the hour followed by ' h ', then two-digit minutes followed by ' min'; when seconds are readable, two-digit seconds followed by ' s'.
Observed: 2 h 46 min
